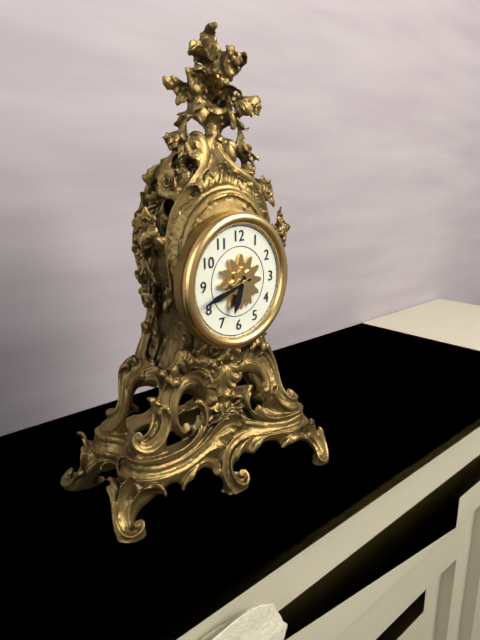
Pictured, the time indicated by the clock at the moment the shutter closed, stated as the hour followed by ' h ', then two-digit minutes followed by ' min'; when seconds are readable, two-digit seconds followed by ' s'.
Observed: 6 h 42 min
